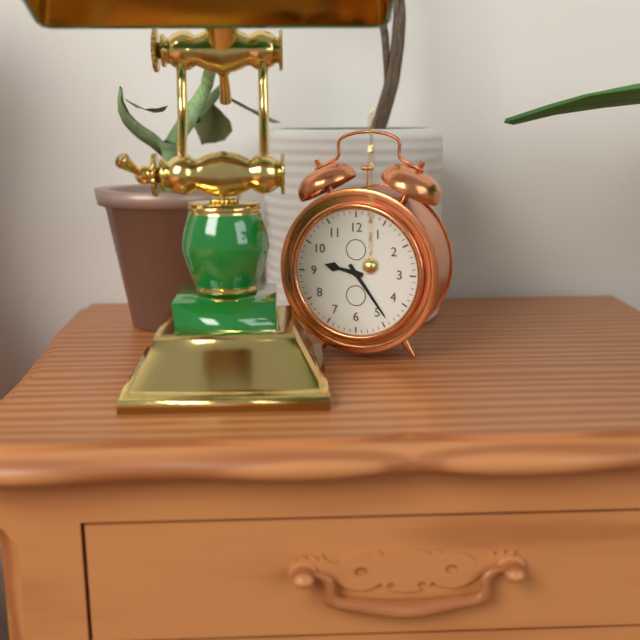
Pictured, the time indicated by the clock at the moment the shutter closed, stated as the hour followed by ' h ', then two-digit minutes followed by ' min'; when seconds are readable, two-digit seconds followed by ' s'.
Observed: 9 h 24 min
